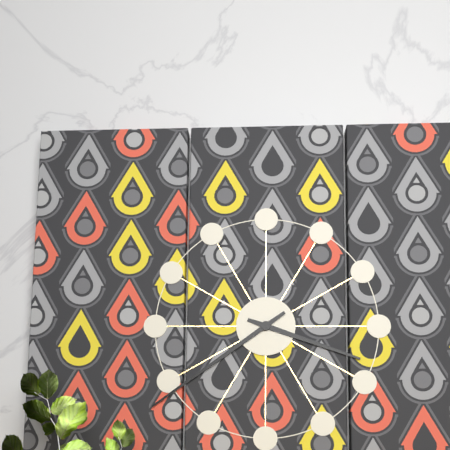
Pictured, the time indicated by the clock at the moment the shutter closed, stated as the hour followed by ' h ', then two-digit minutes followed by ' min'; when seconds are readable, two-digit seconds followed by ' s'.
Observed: 3 h 39 min
